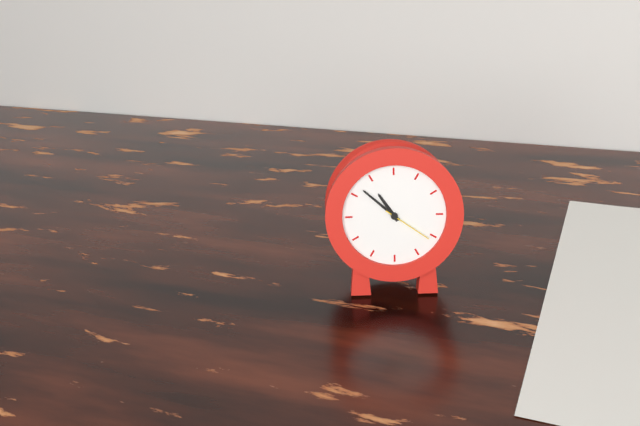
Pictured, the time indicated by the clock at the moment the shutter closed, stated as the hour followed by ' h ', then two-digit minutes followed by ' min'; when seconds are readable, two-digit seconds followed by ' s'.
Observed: 10 h 52 min 21 s
